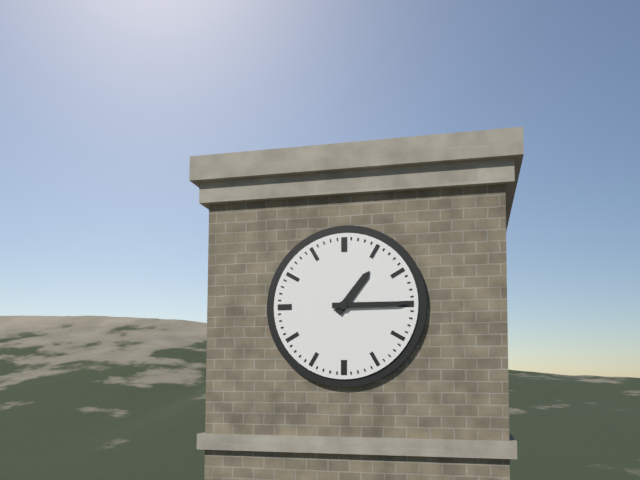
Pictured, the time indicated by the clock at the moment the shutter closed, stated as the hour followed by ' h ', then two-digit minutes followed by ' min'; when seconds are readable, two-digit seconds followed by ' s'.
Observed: 1 h 15 min
